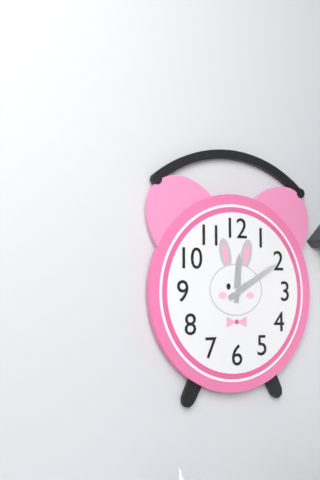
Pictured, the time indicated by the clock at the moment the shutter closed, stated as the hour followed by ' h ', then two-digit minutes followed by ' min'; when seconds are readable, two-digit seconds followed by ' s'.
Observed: 12 h 10 min
